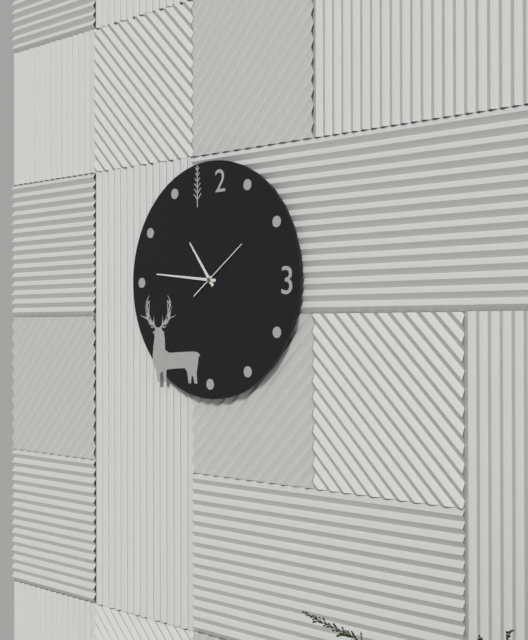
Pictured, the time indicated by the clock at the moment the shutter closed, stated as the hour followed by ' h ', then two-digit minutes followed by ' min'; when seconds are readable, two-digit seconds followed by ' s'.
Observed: 10 h 46 min 09 s
